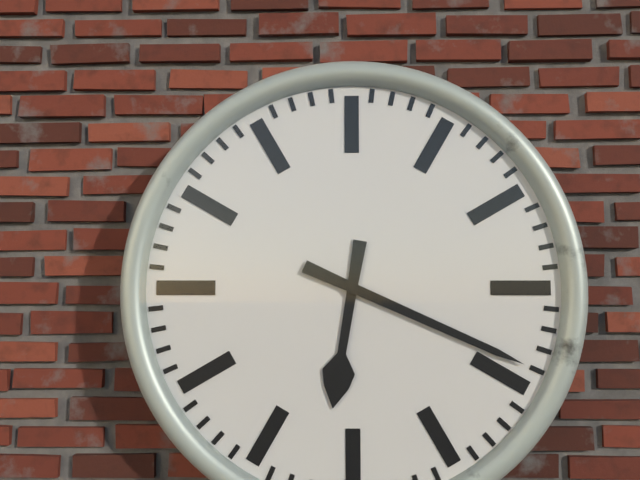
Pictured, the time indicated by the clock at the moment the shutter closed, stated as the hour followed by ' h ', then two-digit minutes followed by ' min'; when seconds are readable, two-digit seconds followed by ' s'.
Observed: 6 h 19 min
